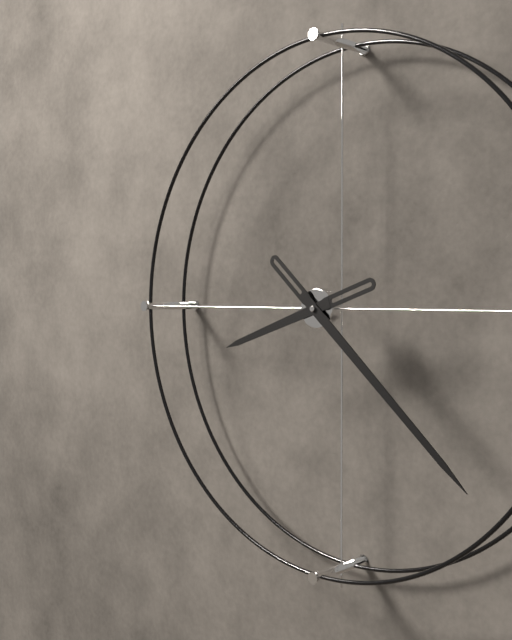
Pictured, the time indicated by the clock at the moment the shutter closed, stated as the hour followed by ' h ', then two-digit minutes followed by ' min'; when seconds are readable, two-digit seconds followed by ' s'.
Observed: 8 h 22 min
